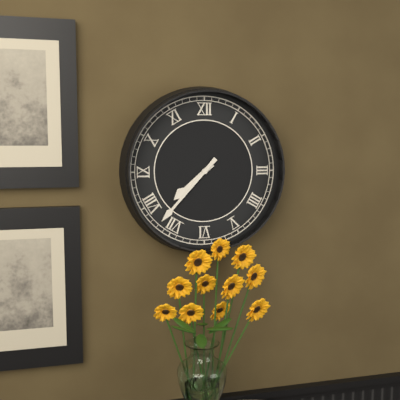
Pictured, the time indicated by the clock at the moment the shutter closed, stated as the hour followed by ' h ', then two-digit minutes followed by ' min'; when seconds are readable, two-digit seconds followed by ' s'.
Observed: 7 h 37 min
